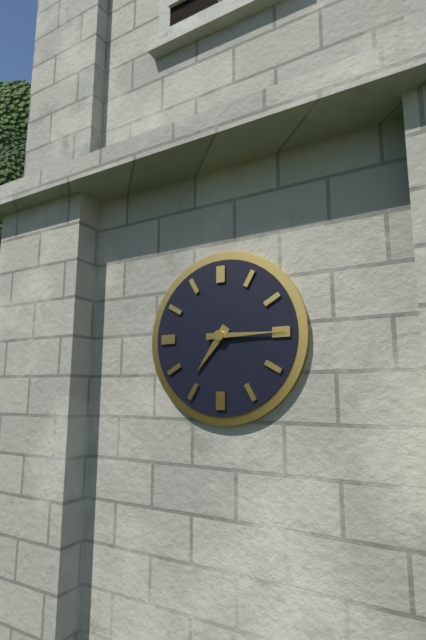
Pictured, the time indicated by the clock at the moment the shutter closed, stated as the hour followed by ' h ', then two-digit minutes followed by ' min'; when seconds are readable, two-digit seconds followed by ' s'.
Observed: 7 h 15 min
